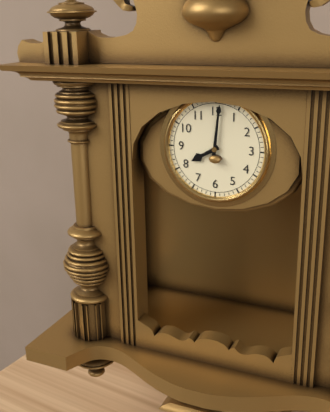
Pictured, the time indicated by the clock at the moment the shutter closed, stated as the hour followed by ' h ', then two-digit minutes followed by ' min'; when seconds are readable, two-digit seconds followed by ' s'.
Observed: 8 h 01 min
